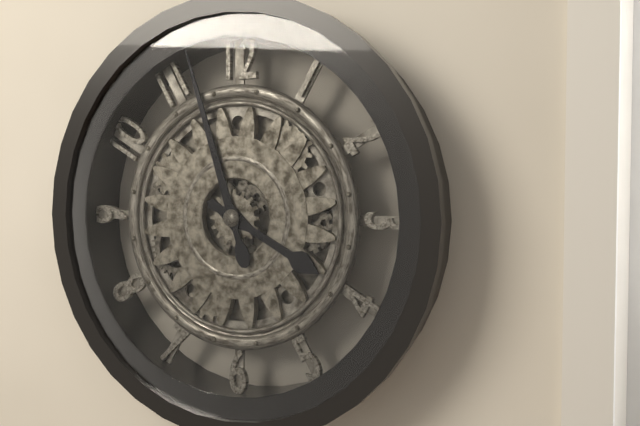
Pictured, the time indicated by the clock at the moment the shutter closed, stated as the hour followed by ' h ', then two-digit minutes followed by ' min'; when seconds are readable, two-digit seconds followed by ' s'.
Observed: 3 h 57 min
